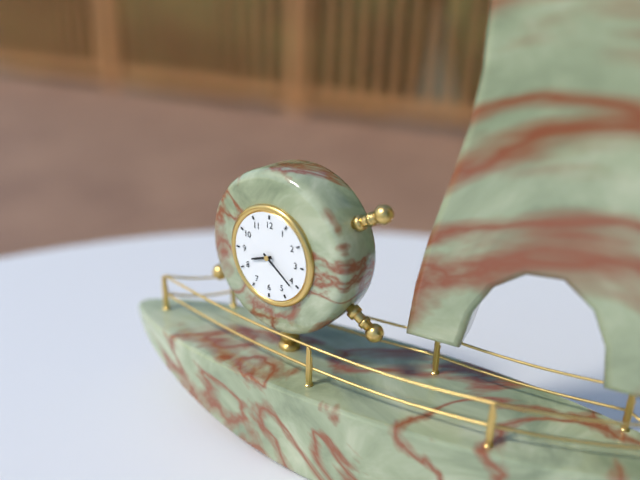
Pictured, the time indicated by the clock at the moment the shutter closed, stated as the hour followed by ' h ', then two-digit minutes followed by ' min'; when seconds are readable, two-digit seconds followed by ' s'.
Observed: 8 h 21 min
